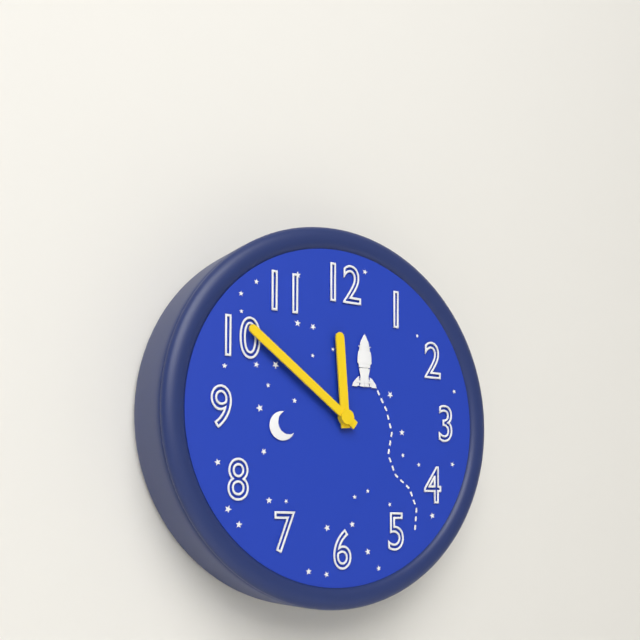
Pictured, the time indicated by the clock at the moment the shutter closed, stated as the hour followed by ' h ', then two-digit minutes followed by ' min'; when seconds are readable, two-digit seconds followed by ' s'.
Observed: 11 h 51 min
